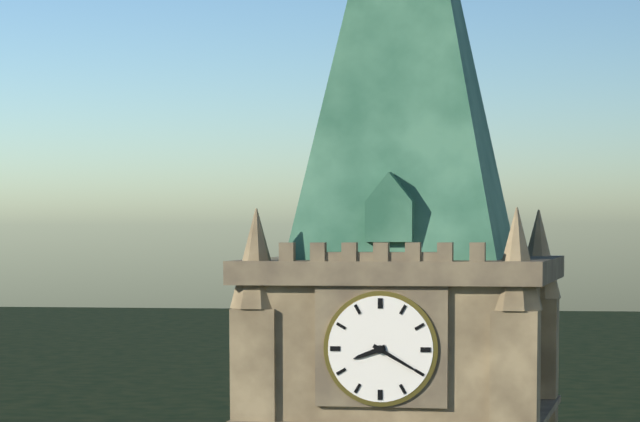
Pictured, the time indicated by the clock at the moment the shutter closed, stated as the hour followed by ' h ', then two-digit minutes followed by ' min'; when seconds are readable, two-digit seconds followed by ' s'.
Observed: 8 h 20 min
